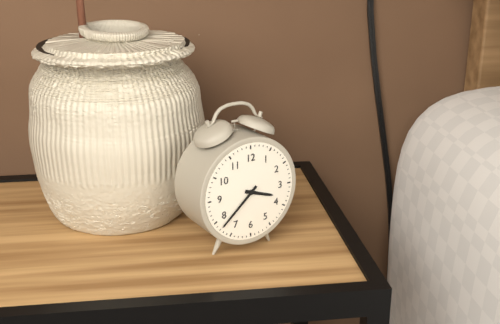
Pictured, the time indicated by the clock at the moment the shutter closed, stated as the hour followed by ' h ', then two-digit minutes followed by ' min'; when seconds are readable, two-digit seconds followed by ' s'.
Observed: 3 h 38 min
